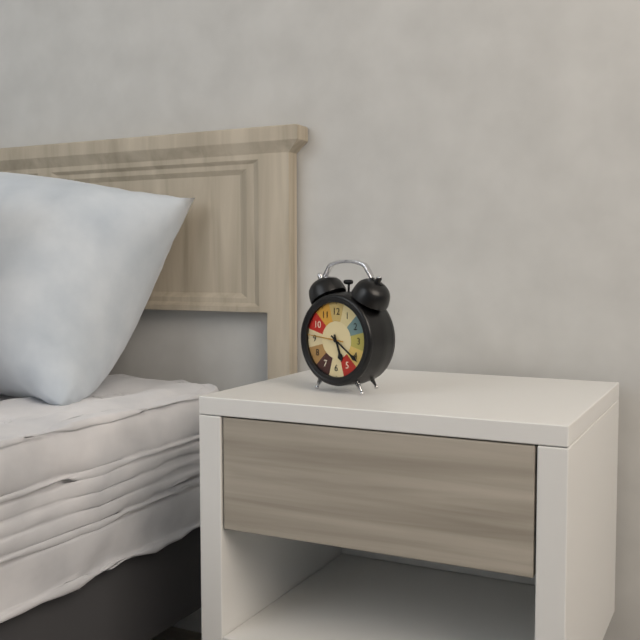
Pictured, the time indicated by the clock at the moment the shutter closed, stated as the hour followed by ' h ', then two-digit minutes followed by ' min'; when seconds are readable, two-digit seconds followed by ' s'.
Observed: 5 h 21 min
